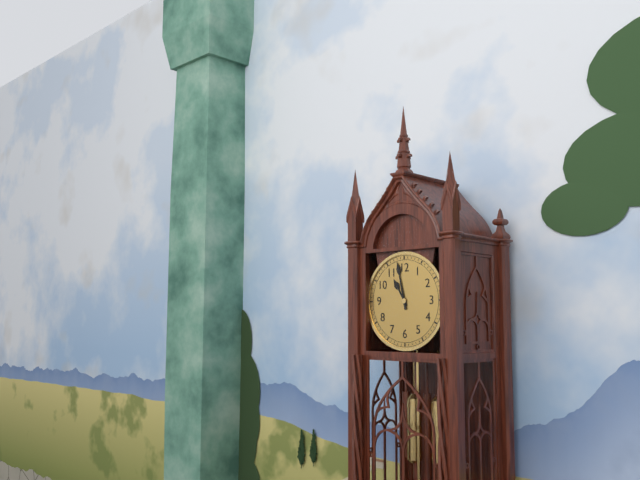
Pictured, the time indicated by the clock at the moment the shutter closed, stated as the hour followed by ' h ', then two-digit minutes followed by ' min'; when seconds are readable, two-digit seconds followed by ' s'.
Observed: 10 h 58 min
